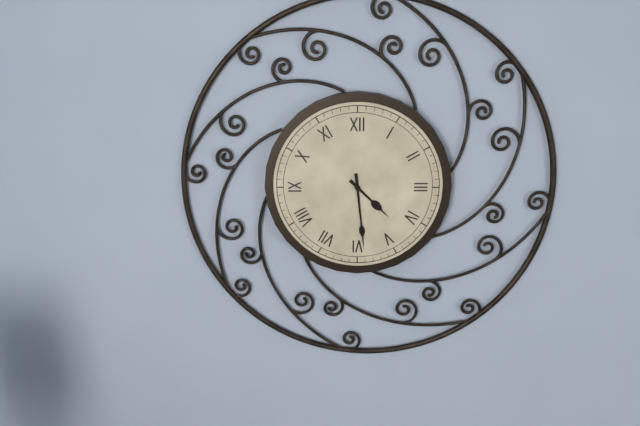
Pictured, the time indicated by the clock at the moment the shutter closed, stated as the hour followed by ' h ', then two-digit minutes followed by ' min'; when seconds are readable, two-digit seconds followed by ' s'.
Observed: 4 h 29 min
